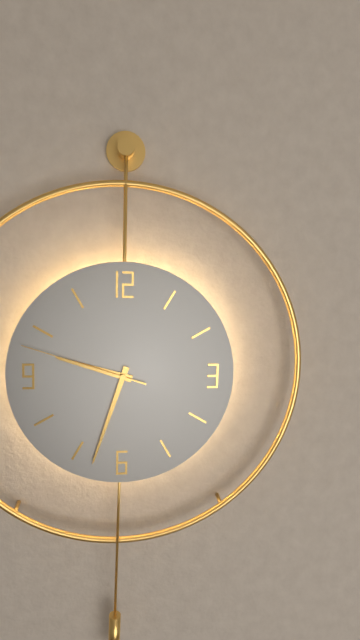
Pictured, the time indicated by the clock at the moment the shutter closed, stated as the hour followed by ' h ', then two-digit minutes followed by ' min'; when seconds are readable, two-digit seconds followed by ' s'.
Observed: 9 h 33 min 48 s
